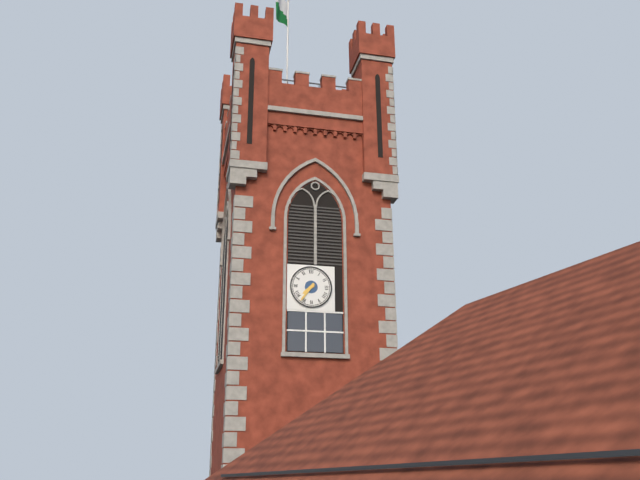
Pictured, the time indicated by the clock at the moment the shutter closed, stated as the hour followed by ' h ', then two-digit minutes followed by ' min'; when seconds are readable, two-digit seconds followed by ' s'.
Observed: 7 h 36 min
